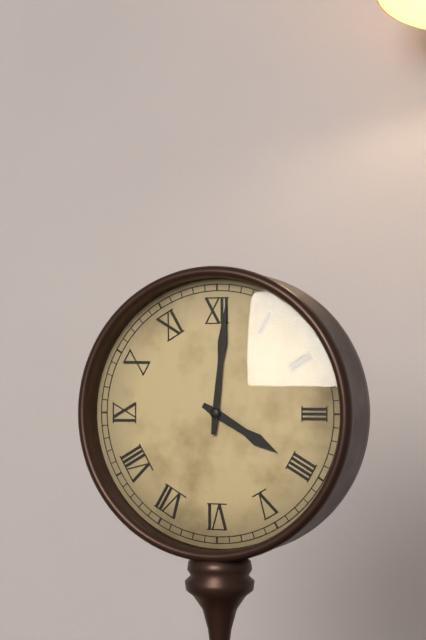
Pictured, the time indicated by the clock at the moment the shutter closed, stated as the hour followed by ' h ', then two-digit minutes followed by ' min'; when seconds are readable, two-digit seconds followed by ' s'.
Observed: 4 h 01 min
